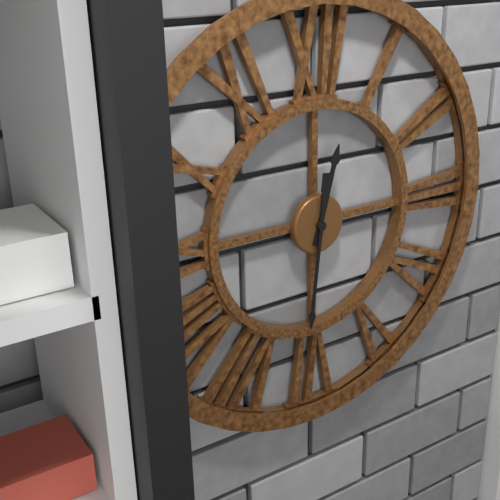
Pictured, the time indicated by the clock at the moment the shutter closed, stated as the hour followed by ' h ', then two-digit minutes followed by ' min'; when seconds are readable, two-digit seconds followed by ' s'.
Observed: 12 h 31 min
